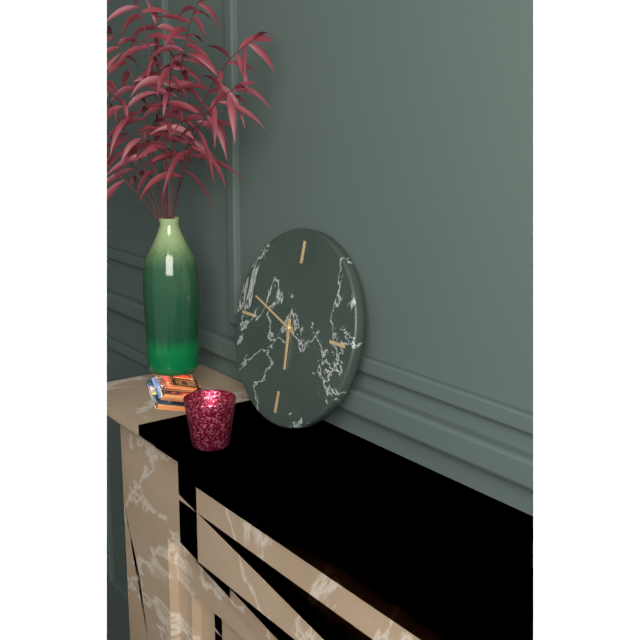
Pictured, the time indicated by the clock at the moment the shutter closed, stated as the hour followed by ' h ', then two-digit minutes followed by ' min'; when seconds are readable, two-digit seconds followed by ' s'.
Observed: 5 h 48 min
